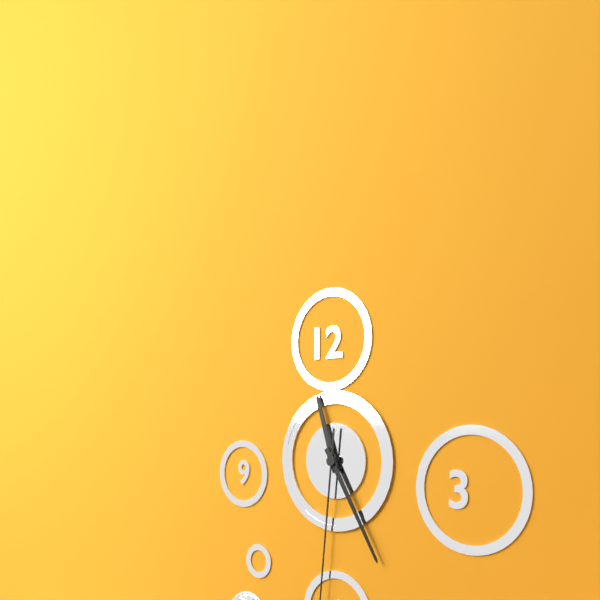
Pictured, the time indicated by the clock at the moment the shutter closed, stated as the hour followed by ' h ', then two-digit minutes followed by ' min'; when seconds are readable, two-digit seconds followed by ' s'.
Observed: 11 h 25 min
